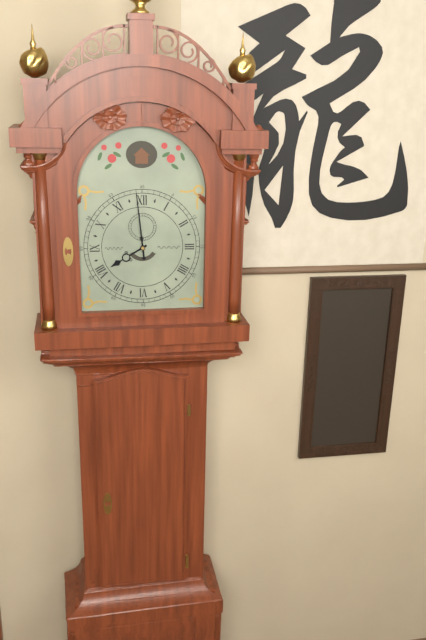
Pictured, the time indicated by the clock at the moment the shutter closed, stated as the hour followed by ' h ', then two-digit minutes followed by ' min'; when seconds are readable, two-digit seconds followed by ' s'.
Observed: 7 h 59 min
